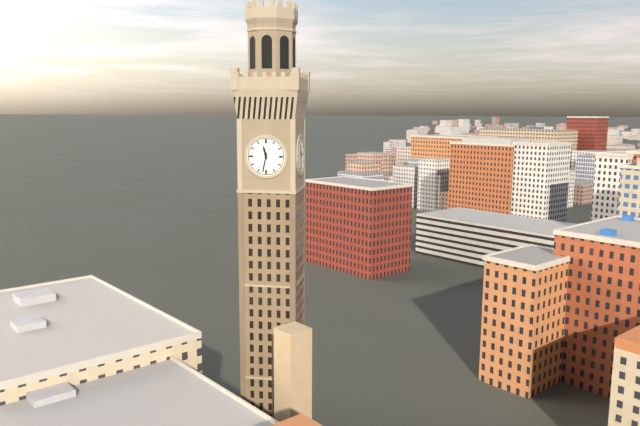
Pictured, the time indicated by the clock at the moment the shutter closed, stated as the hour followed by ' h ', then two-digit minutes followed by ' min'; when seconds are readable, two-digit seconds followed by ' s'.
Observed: 11 h 32 min
